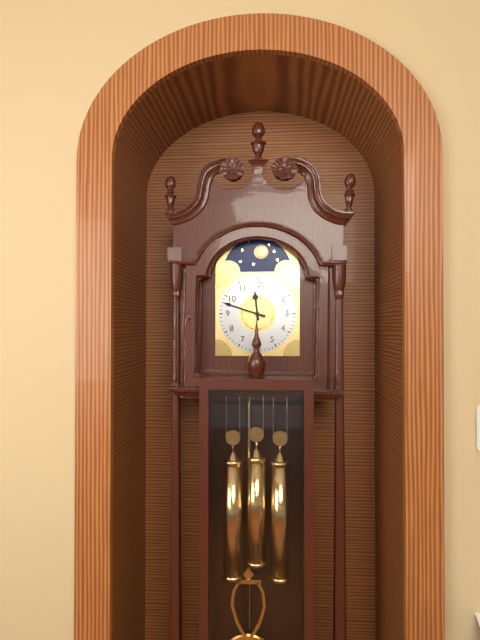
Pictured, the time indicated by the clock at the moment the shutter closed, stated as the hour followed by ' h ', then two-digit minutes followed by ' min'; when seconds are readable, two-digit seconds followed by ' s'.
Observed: 11 h 48 min
